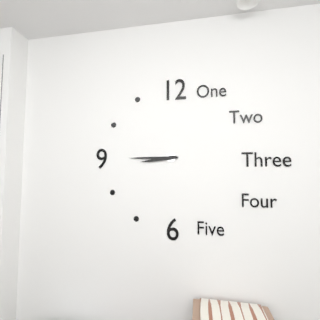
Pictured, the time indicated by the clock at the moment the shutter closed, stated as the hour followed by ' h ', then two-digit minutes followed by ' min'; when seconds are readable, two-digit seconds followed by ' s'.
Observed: 8 h 45 min
